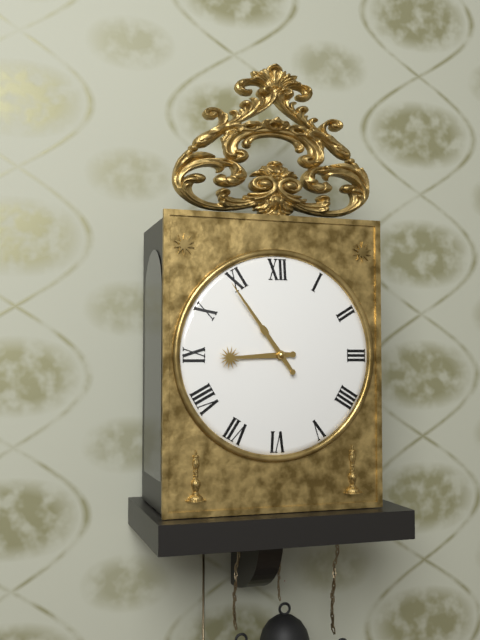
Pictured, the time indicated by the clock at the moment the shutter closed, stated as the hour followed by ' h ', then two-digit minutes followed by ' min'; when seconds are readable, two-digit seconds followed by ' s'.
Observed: 8 h 54 min
